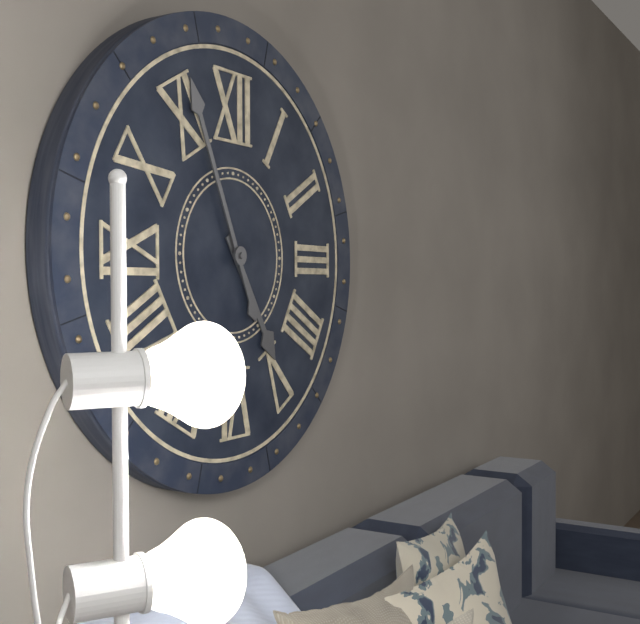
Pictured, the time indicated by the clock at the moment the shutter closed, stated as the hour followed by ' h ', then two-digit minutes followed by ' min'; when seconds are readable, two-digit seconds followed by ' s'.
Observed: 4 h 56 min
